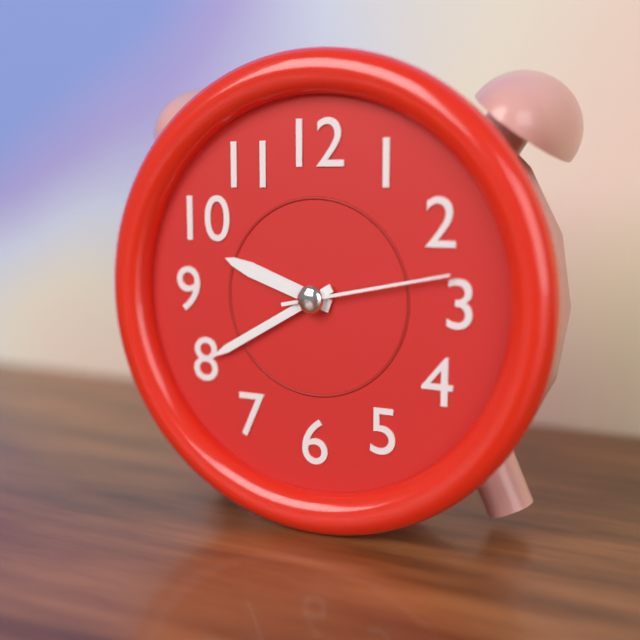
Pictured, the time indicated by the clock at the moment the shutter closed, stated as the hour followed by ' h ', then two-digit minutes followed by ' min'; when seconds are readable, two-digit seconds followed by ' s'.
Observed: 9 h 40 min 13 s
